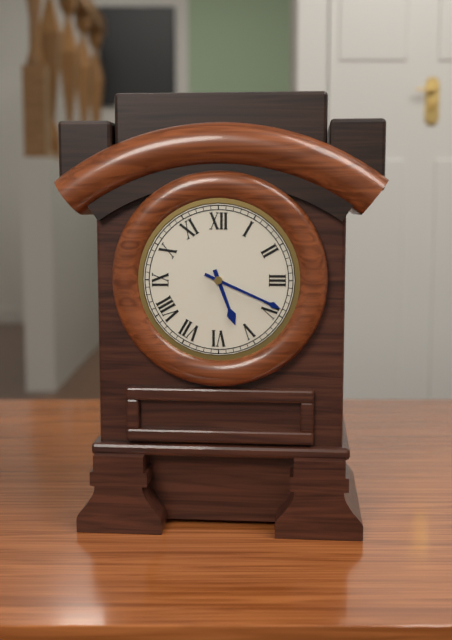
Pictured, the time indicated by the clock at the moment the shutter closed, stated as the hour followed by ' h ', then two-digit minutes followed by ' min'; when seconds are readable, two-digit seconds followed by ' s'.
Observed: 5 h 19 min
